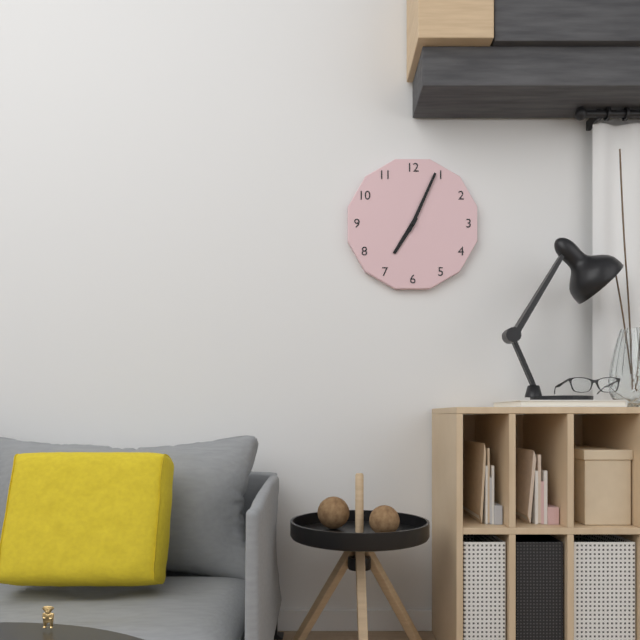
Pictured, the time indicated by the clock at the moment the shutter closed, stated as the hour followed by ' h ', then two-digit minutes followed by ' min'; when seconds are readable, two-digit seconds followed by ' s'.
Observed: 7 h 04 min
